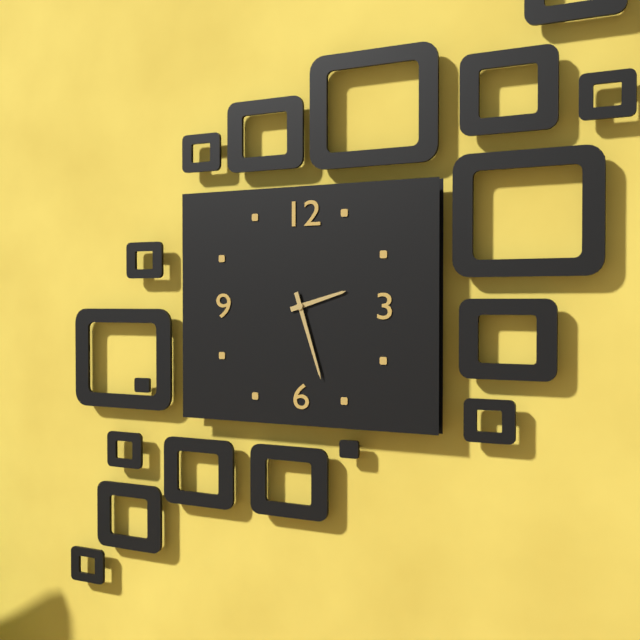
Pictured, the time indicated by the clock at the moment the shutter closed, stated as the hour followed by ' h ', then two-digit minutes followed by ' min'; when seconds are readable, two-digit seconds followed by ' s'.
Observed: 2 h 27 min
